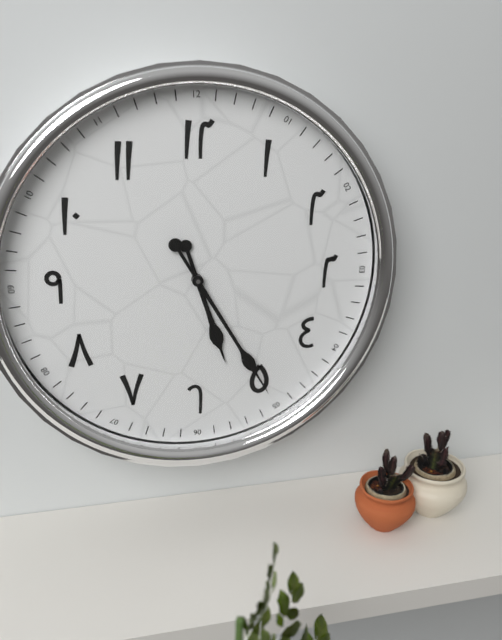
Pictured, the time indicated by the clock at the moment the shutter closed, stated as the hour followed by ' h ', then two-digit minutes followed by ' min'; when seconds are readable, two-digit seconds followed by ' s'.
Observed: 5 h 25 min
